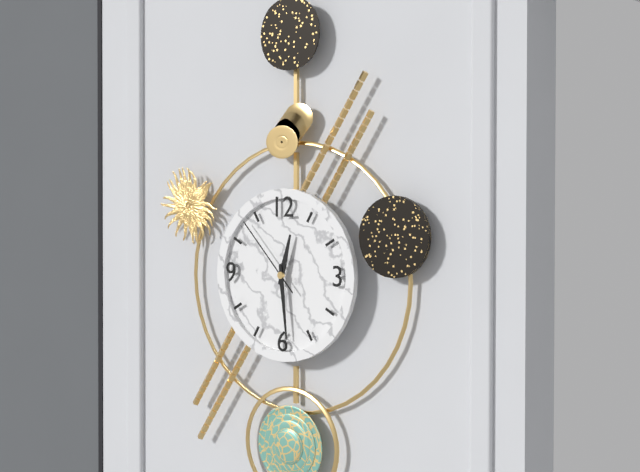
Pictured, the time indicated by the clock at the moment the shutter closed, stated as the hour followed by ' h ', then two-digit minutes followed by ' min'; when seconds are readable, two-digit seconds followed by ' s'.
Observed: 12 h 29 min 53 s
